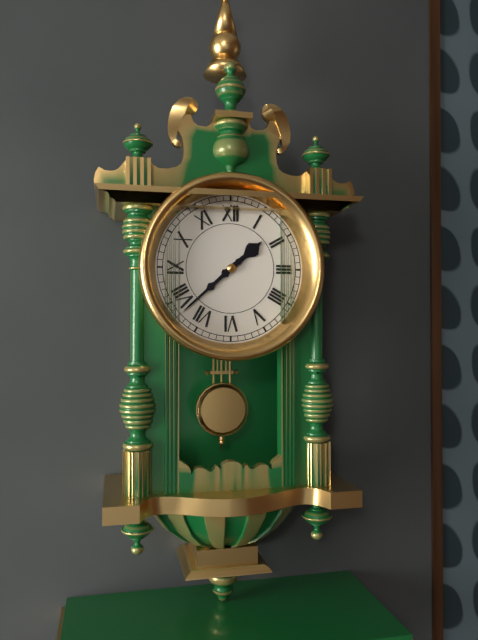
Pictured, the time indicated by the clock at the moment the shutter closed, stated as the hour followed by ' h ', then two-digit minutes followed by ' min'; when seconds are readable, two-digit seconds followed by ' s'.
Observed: 1 h 38 min
